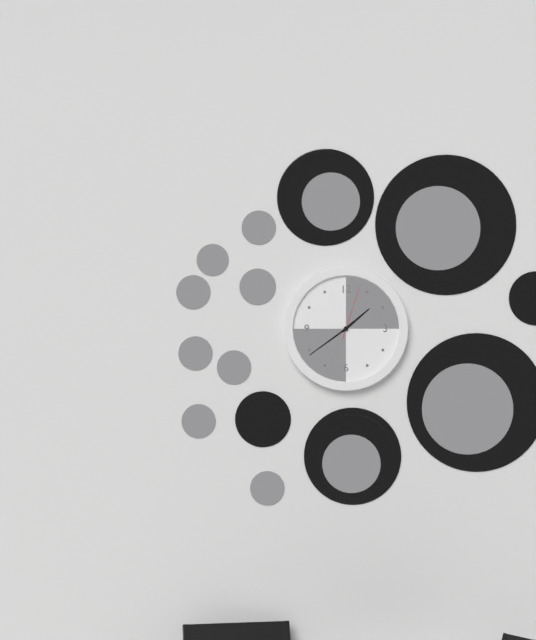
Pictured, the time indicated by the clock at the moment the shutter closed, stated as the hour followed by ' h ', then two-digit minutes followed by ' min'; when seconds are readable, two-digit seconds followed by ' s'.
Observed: 1 h 39 min 03 s
